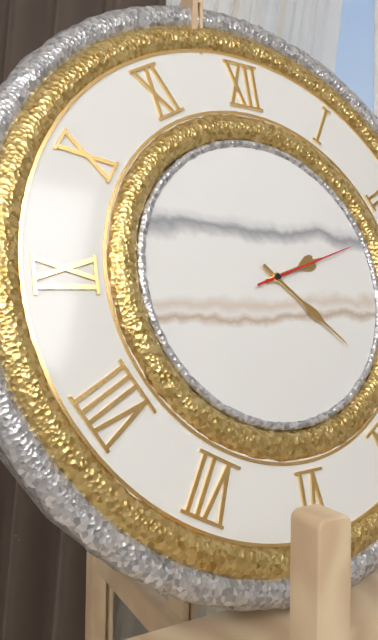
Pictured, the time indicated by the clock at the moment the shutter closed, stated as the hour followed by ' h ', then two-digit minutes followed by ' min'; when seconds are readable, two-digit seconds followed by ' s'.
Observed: 2 h 22 min 12 s
